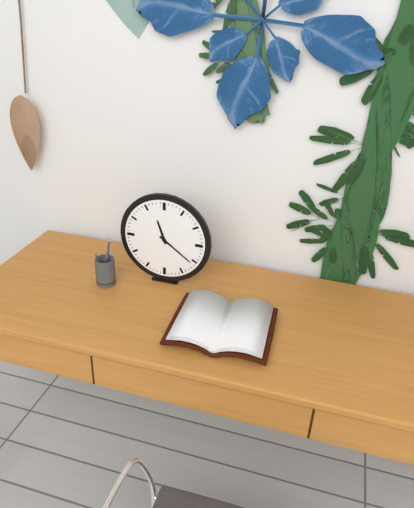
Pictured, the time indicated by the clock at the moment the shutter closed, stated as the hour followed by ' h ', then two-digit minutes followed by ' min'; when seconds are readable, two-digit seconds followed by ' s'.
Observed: 11 h 21 min
